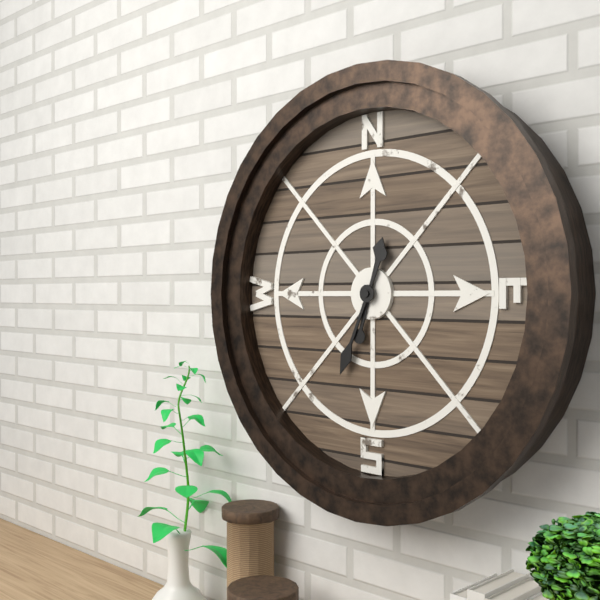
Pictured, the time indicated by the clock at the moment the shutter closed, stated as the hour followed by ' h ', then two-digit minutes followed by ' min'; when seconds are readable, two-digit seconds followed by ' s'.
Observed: 12 h 34 min
